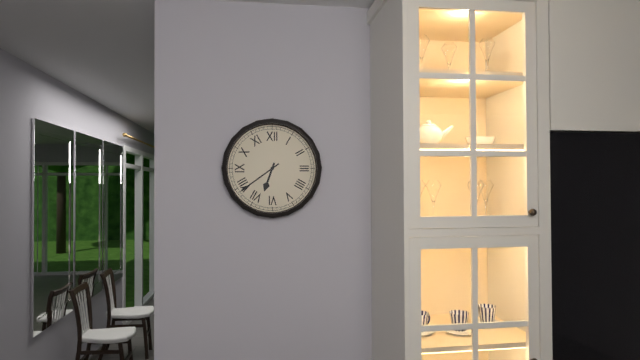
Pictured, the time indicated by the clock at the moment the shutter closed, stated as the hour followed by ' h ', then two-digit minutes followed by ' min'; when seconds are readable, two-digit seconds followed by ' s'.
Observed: 6 h 39 min
